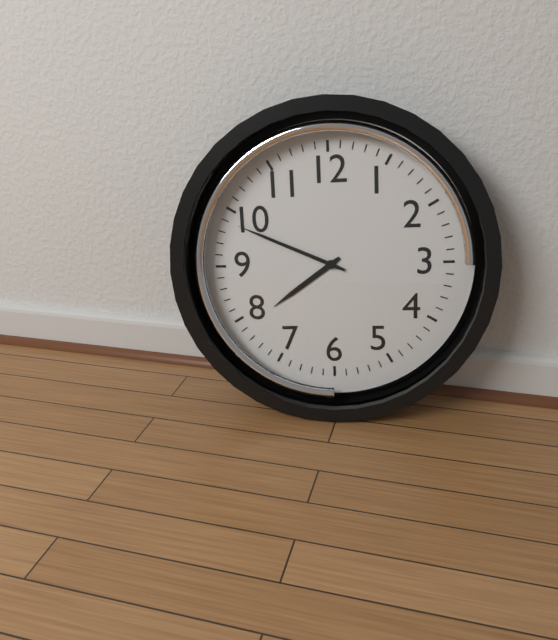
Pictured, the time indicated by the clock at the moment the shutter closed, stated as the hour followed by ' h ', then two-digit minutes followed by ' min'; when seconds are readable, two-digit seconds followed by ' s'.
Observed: 7 h 49 min
